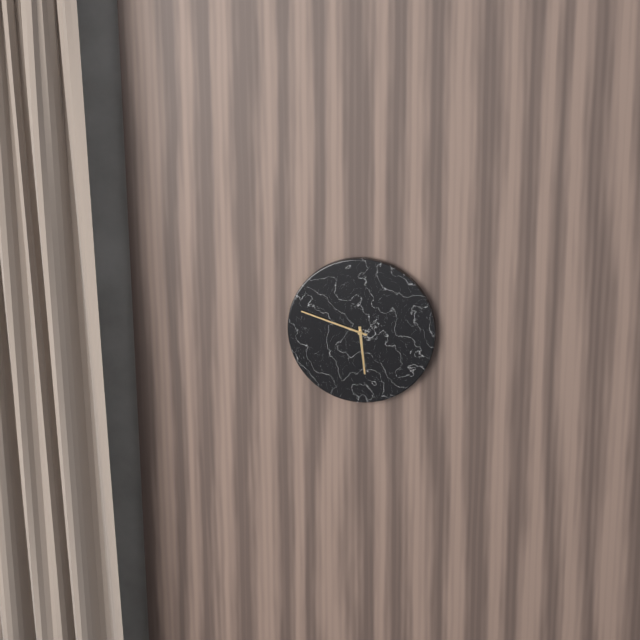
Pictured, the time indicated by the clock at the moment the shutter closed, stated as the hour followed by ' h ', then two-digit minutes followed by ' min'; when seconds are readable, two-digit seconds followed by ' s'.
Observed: 5 h 48 min
